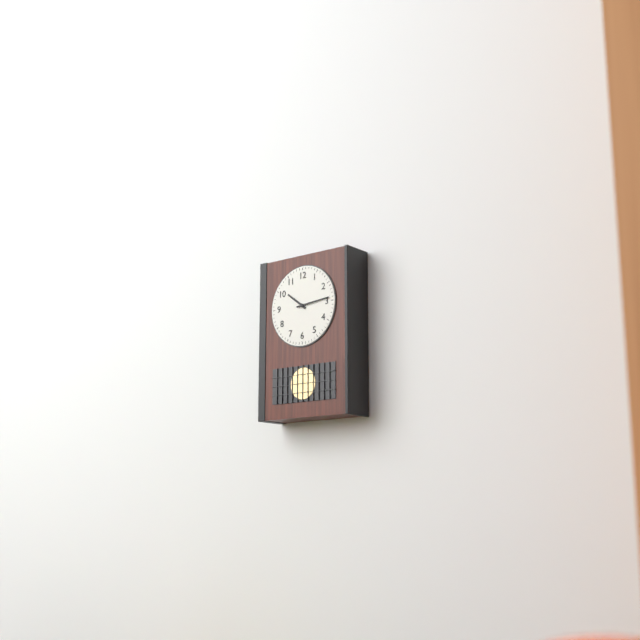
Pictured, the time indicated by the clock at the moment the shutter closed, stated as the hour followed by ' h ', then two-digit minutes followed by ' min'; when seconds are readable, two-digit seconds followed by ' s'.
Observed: 10 h 14 min
